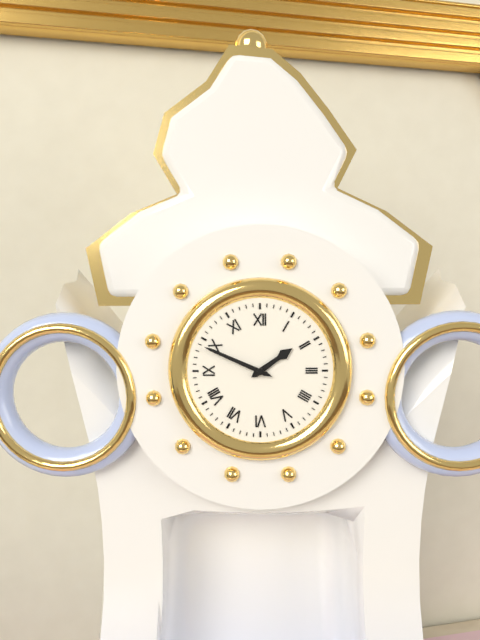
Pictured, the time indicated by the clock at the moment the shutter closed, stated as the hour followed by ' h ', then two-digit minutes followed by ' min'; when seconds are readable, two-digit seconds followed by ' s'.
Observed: 1 h 49 min
